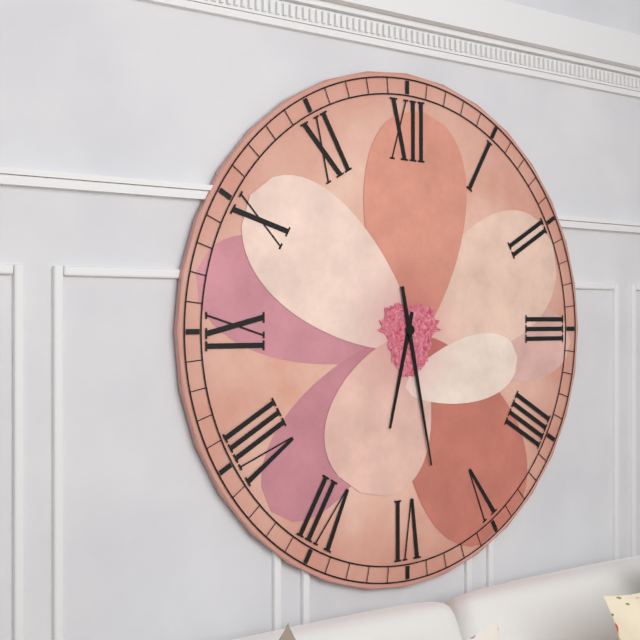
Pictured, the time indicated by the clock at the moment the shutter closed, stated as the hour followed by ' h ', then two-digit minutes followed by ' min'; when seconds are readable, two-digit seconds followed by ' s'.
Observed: 6 h 28 min
